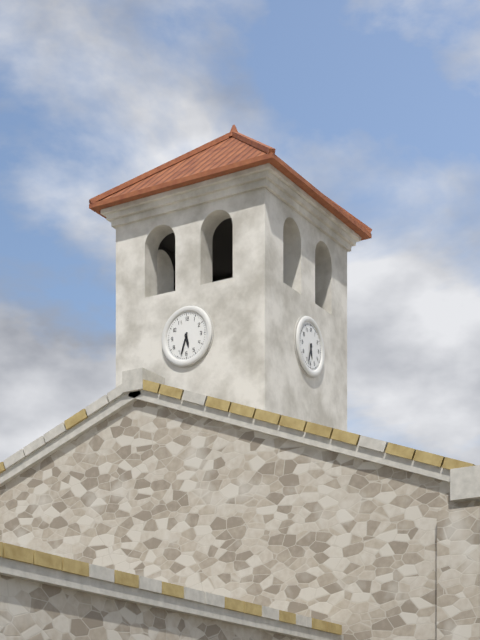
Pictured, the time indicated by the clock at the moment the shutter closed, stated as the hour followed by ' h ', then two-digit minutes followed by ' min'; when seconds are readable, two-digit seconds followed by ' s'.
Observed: 5 h 33 min
